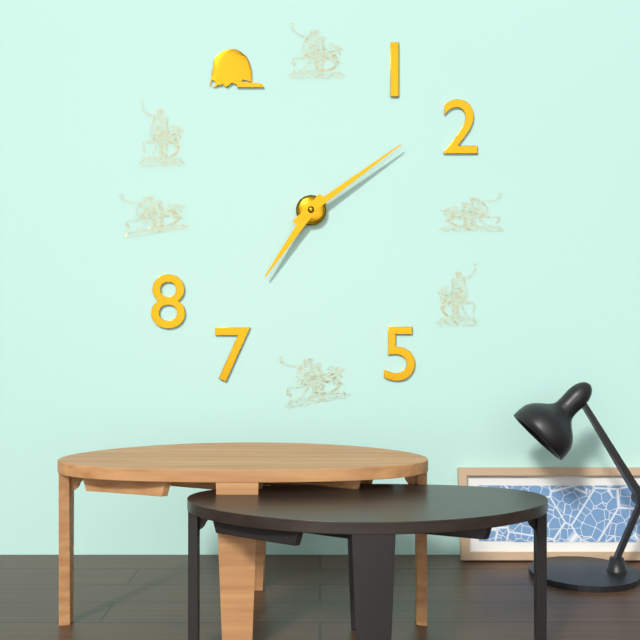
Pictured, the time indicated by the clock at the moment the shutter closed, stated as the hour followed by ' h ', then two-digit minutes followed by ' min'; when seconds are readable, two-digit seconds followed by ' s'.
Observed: 7 h 09 min
